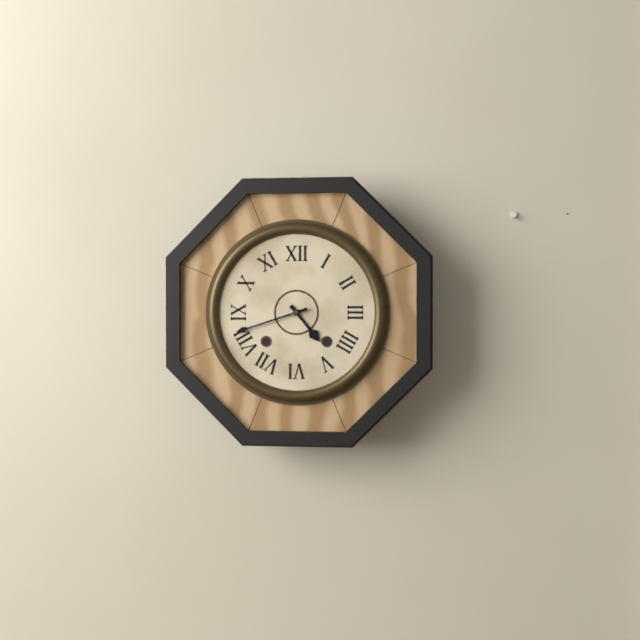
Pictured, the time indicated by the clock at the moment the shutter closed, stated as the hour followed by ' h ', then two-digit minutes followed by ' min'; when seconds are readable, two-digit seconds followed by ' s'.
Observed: 4 h 42 min
